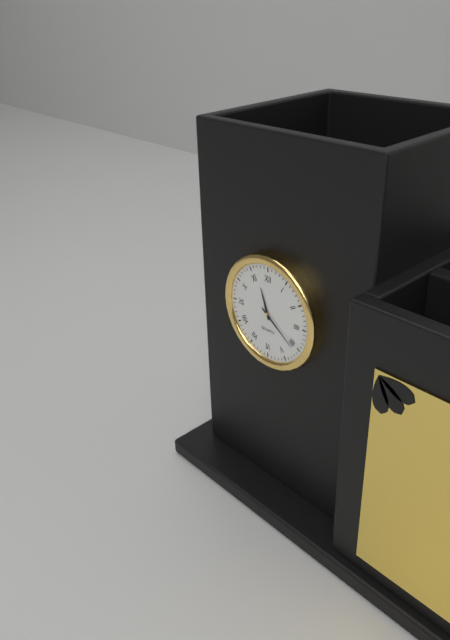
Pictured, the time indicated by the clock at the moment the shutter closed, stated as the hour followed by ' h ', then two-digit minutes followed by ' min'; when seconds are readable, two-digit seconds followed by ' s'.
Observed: 11 h 21 min
